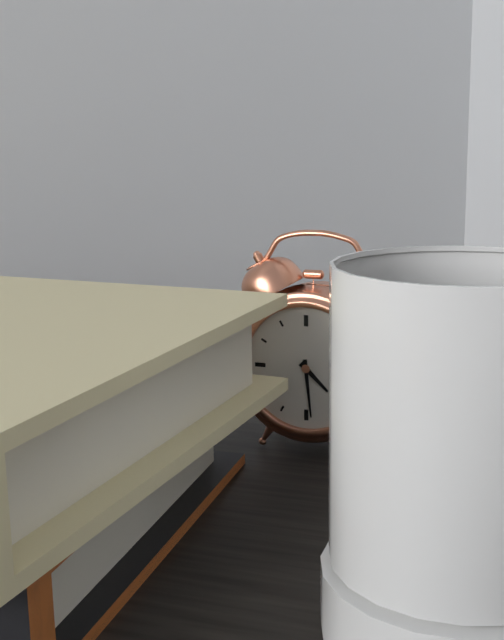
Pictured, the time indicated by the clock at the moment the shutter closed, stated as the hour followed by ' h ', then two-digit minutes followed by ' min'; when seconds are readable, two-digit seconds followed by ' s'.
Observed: 4 h 29 min
